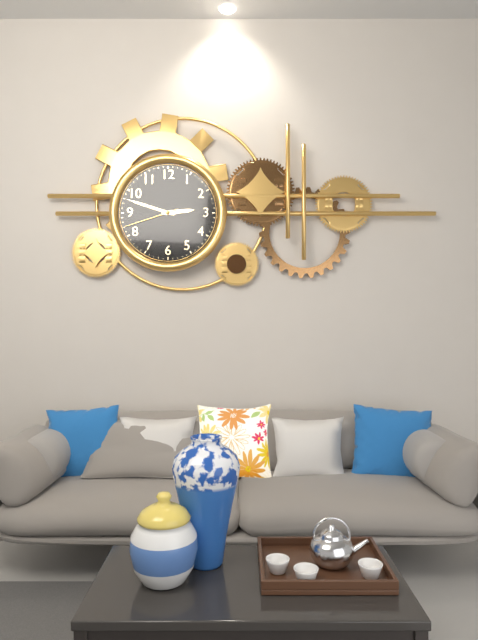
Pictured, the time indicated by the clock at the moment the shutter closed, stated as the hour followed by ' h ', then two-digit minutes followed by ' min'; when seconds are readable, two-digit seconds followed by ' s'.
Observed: 2 h 48 min 42 s
